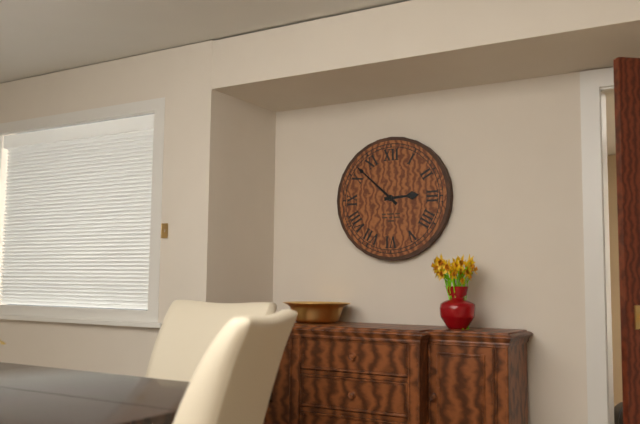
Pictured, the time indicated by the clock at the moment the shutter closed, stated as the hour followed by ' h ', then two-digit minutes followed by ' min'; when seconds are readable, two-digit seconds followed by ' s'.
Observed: 2 h 52 min
